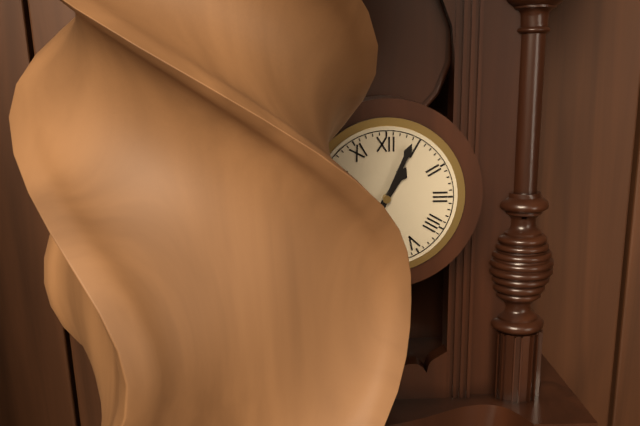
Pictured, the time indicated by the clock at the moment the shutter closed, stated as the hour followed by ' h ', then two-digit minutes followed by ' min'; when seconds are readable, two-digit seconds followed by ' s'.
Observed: 1 h 04 min
